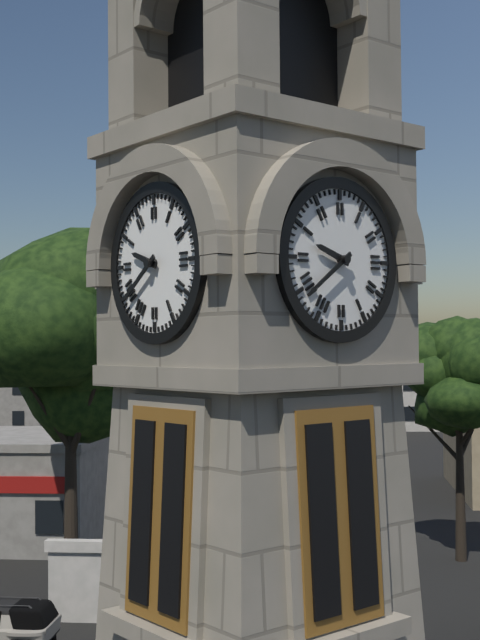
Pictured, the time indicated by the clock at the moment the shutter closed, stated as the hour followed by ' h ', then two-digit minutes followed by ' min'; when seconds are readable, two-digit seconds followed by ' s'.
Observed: 9 h 39 min
